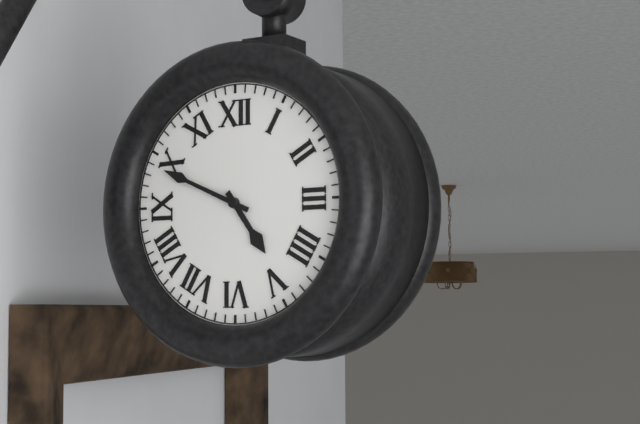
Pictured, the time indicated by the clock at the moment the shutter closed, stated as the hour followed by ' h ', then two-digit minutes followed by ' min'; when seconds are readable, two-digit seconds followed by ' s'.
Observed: 4 h 49 min
